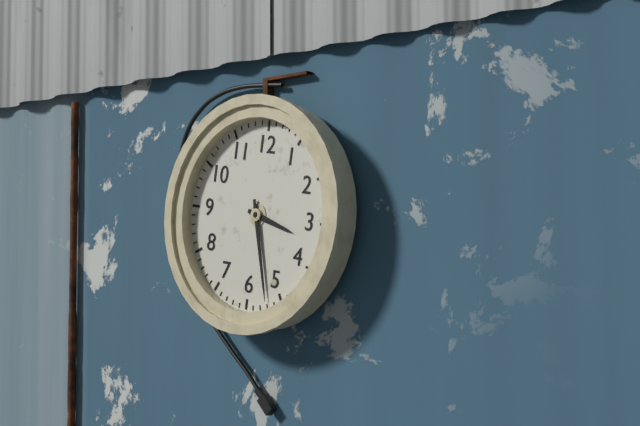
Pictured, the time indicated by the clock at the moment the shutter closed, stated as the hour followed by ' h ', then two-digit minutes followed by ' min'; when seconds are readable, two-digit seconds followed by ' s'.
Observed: 3 h 27 min
